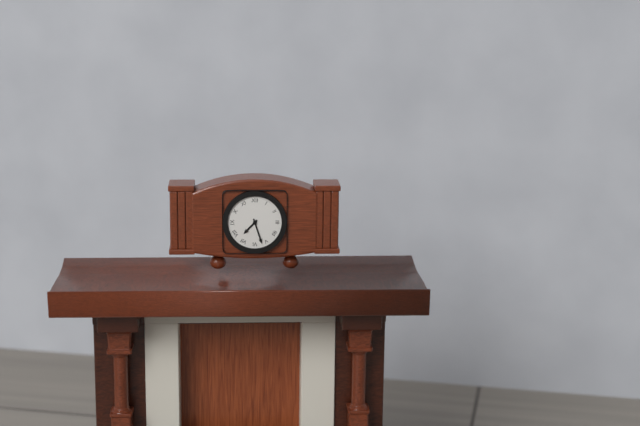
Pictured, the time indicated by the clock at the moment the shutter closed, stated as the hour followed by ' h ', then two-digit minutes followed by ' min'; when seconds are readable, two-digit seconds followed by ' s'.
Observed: 7 h 27 min
